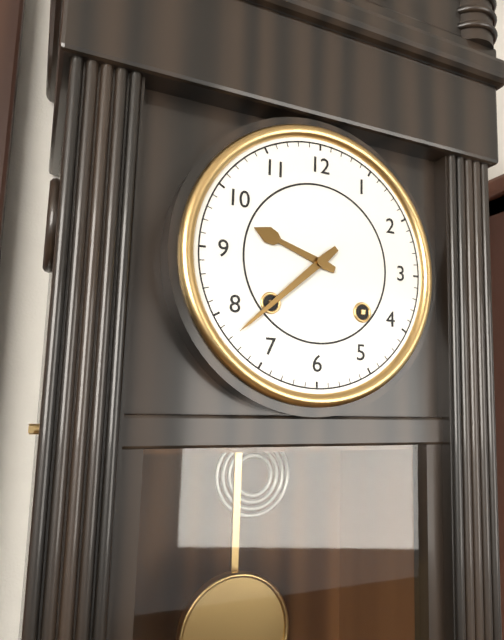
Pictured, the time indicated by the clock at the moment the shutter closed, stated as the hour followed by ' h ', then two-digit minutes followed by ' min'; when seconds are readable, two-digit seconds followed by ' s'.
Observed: 9 h 38 min
